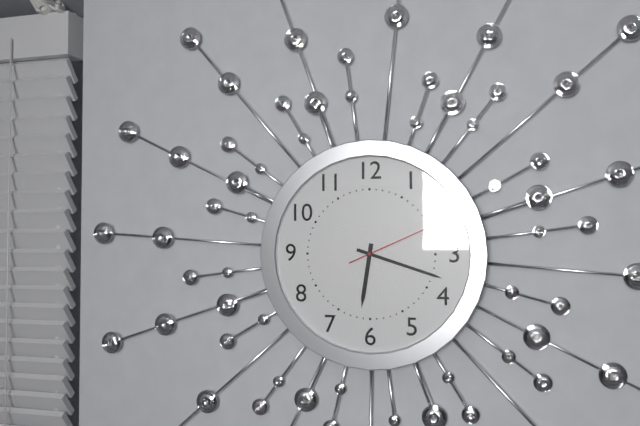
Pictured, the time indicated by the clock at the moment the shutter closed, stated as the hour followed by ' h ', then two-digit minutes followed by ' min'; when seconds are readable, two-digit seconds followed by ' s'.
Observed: 6 h 18 min 11 s
